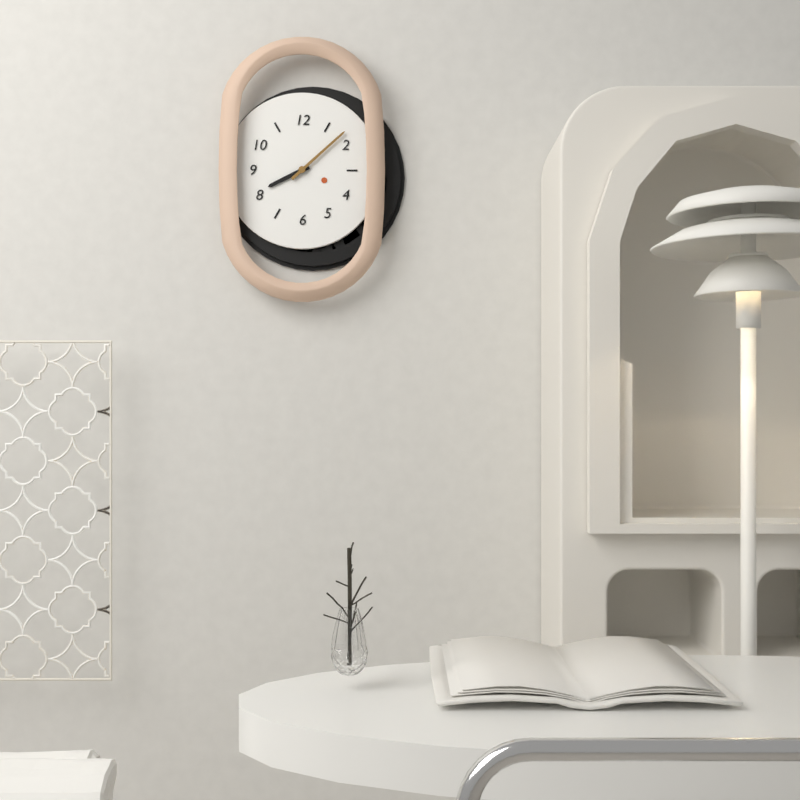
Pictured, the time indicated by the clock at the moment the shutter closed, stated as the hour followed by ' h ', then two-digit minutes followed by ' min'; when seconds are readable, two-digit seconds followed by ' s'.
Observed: 8 h 08 min
